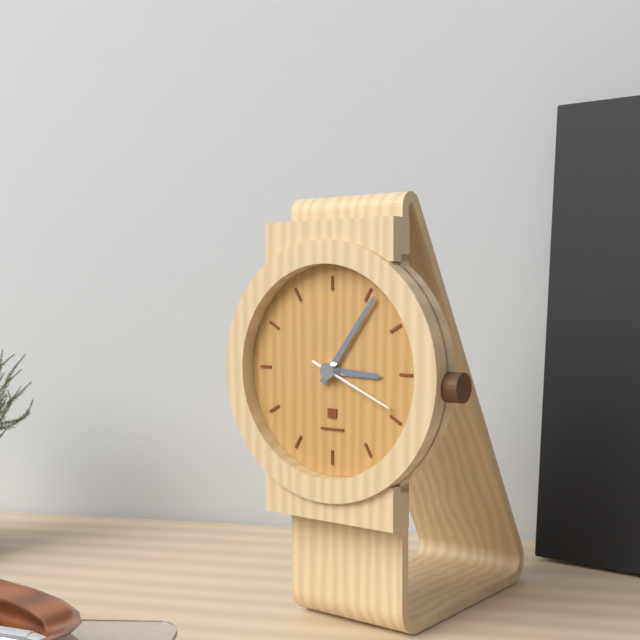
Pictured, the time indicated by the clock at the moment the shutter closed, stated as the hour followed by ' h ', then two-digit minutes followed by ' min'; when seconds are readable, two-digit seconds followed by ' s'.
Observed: 3 h 06 min 19 s
